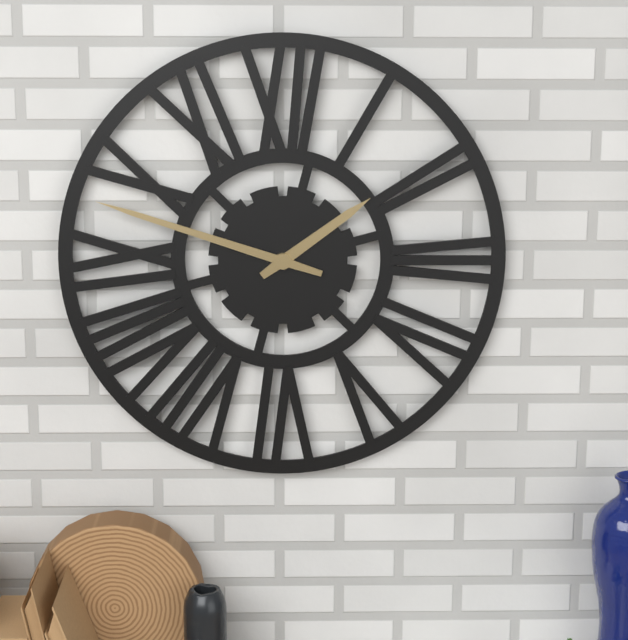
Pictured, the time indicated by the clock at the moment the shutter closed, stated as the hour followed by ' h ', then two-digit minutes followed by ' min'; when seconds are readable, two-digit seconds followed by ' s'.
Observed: 1 h 48 min
